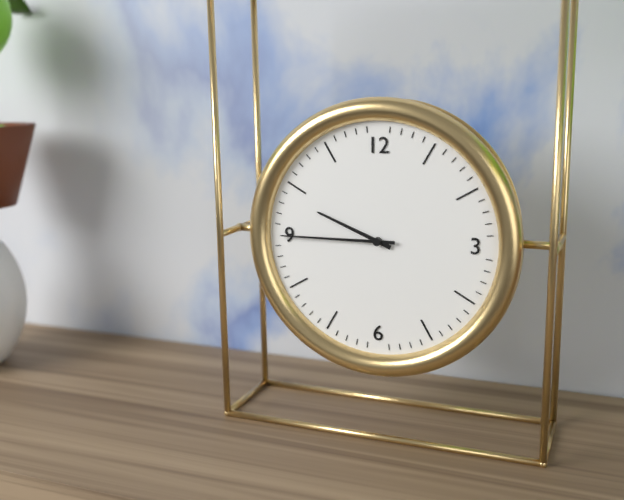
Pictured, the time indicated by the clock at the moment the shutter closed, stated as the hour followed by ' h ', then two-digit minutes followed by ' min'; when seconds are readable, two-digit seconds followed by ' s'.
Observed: 9 h 45 min
